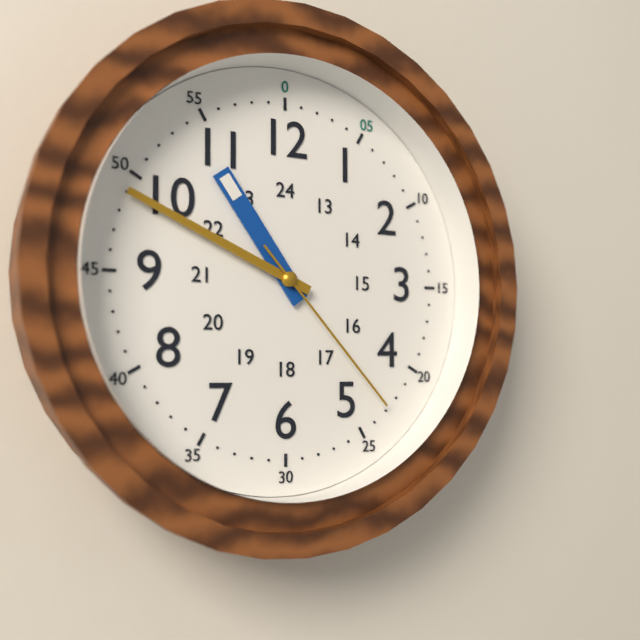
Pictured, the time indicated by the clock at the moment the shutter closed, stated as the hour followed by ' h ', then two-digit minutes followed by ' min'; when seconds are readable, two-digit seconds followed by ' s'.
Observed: 10 h 49 min 23 s
